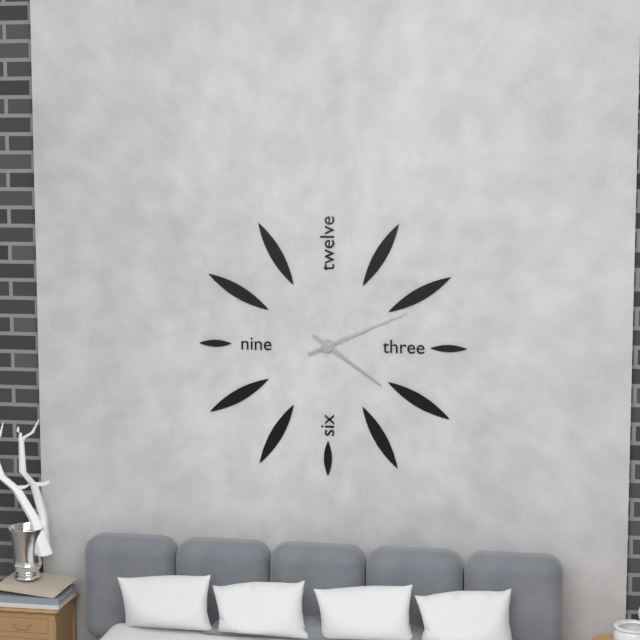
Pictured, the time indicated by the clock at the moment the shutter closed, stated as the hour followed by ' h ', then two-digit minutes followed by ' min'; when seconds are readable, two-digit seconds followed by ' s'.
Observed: 4 h 11 min
